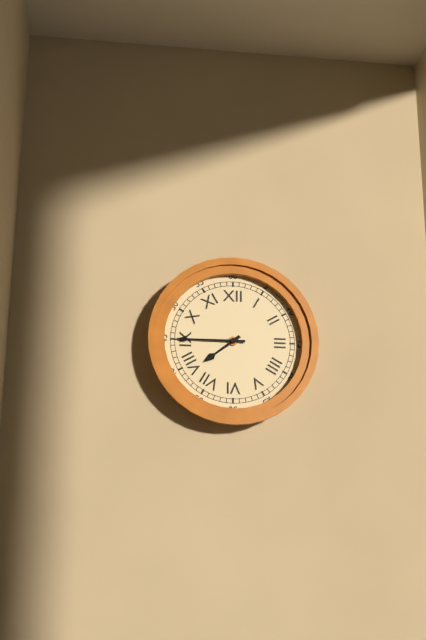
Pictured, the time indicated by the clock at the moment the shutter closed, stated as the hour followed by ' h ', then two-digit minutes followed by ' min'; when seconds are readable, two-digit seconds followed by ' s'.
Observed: 7 h 45 min
